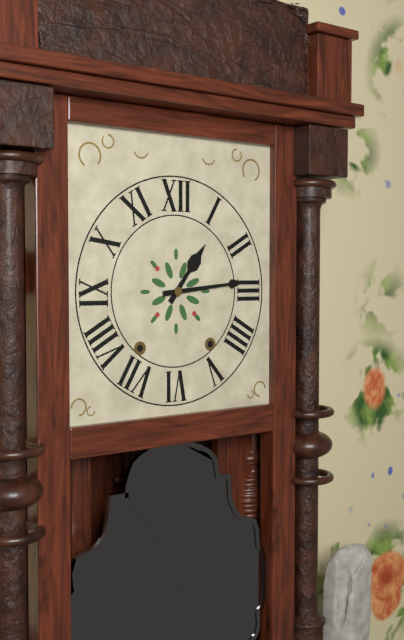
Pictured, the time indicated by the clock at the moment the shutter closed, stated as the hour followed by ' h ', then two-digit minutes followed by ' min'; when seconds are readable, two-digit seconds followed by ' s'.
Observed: 1 h 14 min
